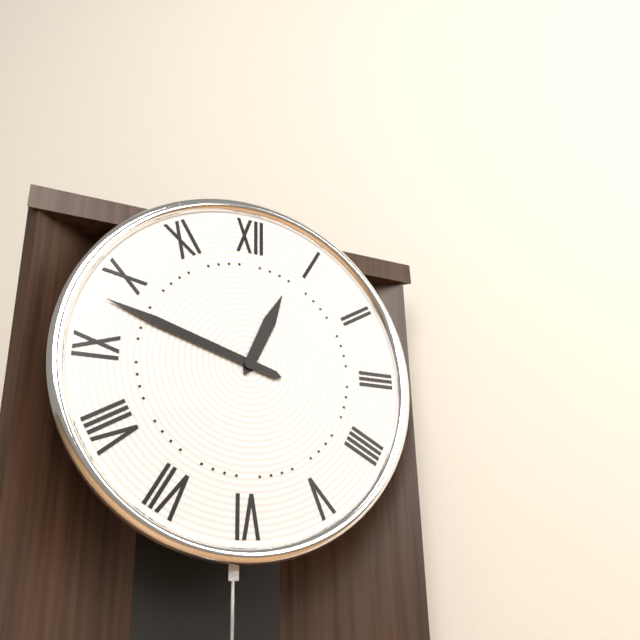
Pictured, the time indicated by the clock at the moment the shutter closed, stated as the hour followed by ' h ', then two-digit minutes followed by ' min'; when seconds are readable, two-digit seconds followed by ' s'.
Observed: 12 h 48 min
